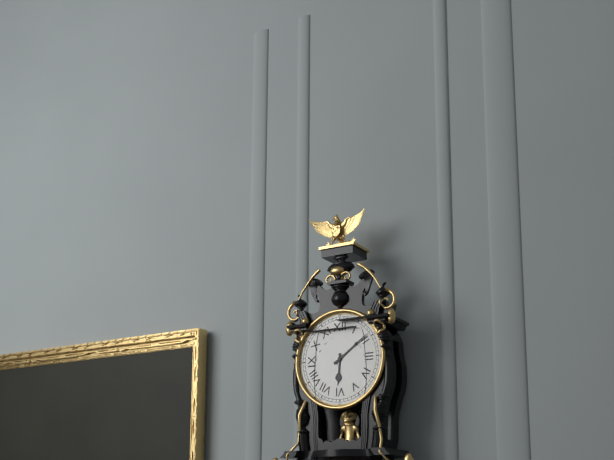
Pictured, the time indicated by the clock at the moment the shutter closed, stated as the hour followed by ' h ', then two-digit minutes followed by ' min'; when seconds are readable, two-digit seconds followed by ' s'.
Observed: 6 h 09 min
